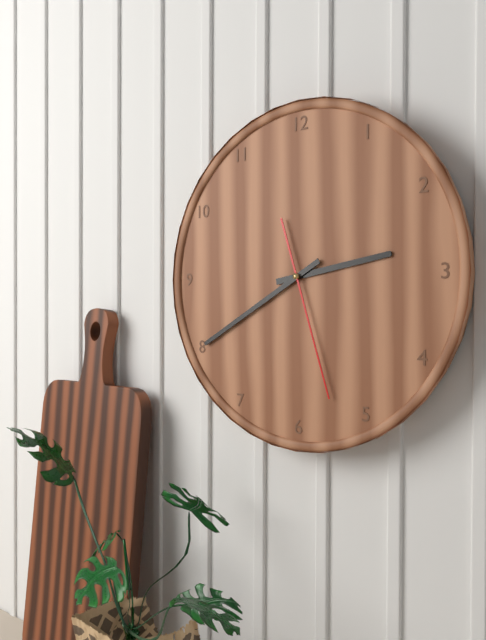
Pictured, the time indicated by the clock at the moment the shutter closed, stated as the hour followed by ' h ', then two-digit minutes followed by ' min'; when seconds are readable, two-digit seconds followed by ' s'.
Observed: 2 h 40 min 27 s
